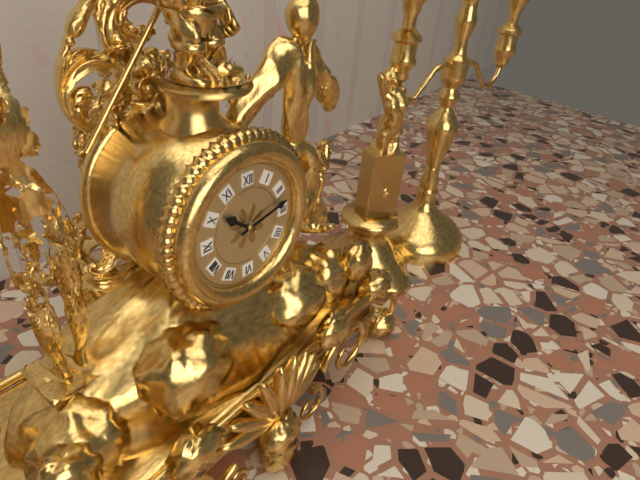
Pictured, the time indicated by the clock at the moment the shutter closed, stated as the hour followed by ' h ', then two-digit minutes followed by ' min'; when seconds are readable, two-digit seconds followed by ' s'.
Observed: 10 h 13 min
